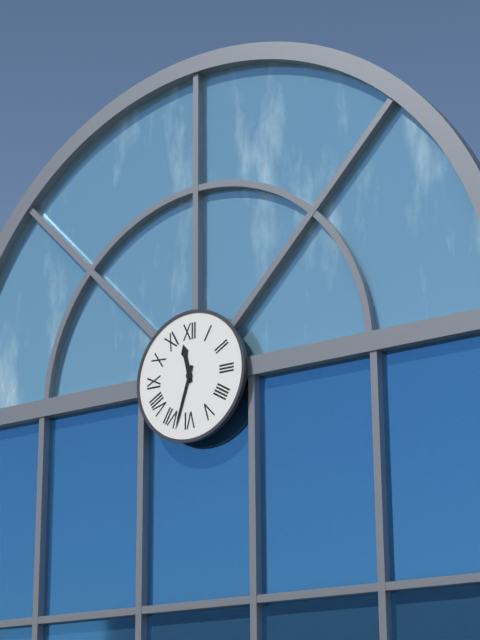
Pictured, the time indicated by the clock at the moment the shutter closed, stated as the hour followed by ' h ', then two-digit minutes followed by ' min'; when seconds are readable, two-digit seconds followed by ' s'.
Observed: 11 h 33 min
